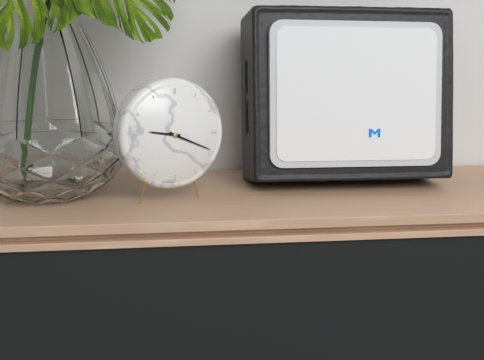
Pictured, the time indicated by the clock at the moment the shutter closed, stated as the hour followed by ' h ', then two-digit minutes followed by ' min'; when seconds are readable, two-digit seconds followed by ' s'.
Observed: 9 h 19 min
